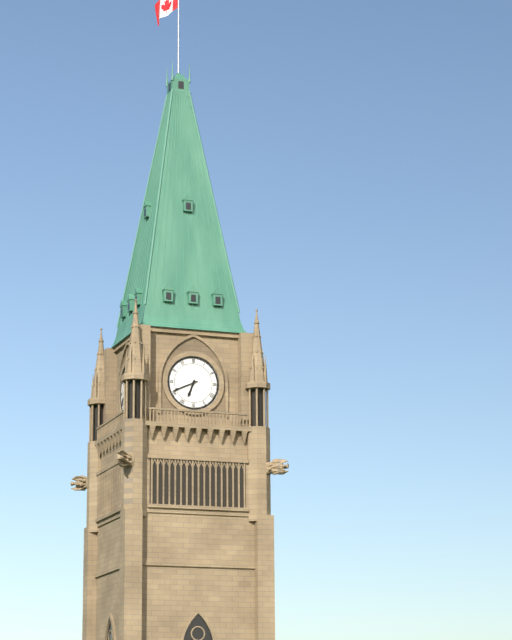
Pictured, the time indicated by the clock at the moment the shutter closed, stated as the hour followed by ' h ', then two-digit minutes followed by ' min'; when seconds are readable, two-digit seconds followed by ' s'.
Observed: 6 h 41 min
